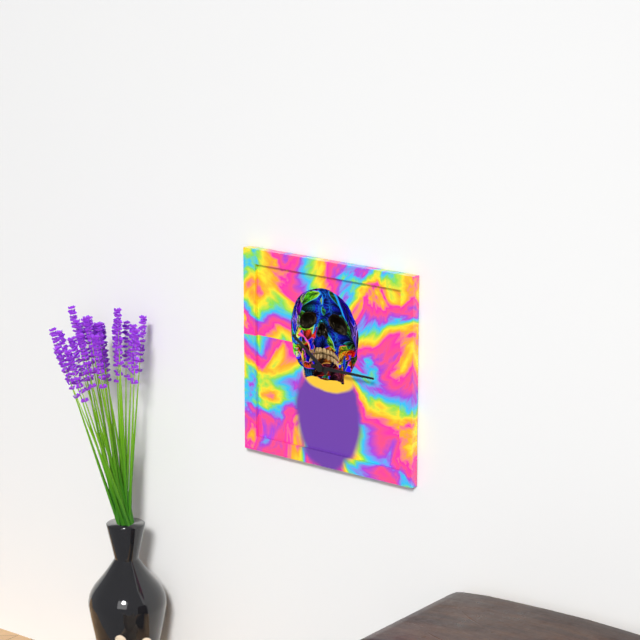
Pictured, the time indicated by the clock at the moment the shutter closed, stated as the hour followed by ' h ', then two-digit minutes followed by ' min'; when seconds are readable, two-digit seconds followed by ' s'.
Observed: 10 h 15 min
